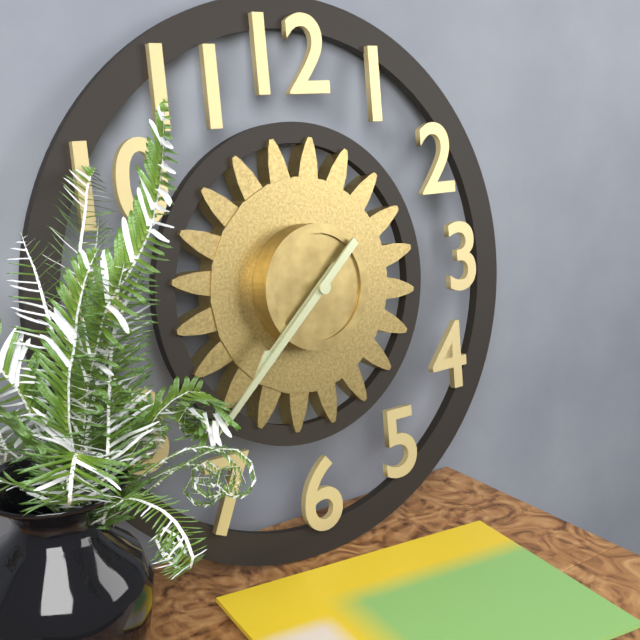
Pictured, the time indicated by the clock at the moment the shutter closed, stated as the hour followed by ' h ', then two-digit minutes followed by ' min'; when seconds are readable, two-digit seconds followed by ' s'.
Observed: 7 h 38 min
